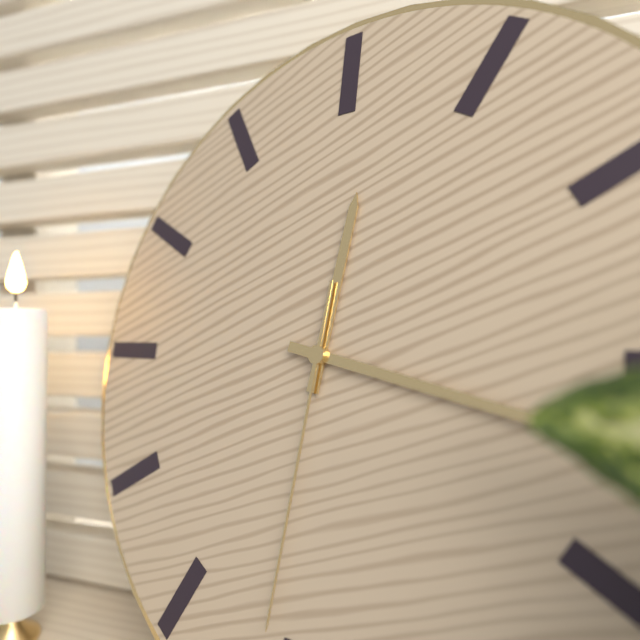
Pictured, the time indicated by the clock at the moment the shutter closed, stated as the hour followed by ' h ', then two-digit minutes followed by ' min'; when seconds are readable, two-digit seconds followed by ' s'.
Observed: 12 h 17 min 31 s
